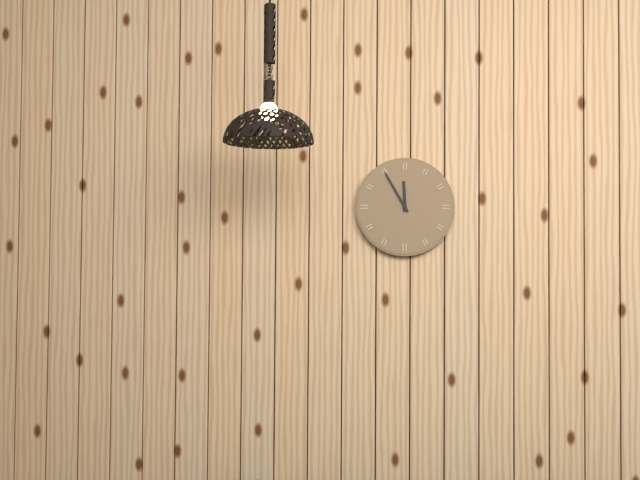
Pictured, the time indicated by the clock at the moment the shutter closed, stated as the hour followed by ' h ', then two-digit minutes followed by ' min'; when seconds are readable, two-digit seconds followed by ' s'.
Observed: 11 h 55 min
